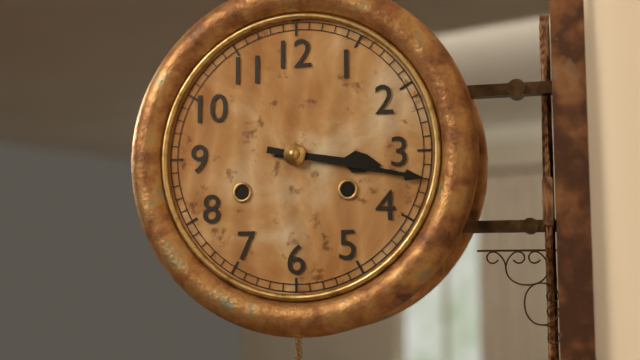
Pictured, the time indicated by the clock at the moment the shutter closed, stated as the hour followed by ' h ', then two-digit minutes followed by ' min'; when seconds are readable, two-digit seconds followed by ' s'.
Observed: 3 h 17 min
